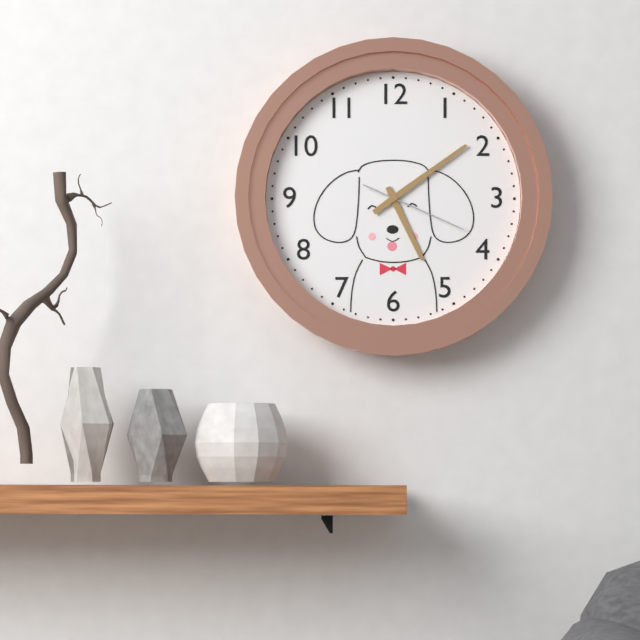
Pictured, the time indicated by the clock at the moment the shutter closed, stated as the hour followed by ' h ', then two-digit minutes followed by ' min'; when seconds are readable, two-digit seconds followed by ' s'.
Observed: 5 h 09 min 19 s
